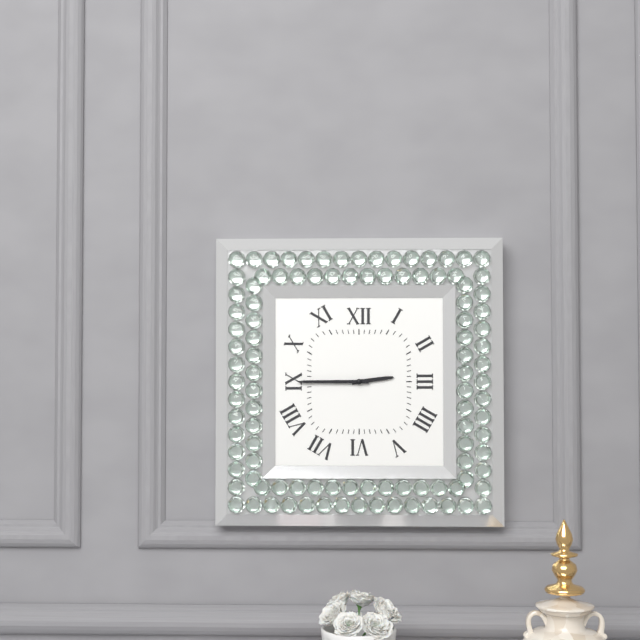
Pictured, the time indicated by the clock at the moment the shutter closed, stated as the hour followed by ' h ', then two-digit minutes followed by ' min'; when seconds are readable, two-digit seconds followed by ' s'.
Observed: 2 h 45 min
